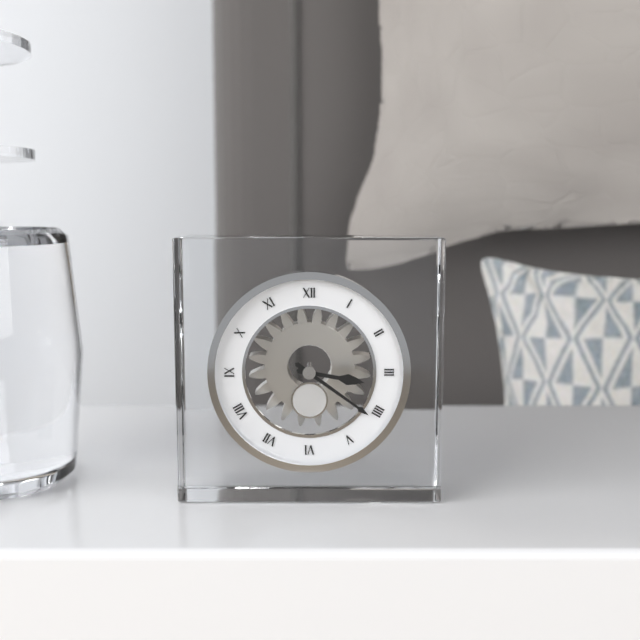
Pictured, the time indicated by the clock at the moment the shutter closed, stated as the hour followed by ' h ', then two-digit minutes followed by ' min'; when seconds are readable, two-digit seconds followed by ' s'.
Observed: 3 h 21 min
